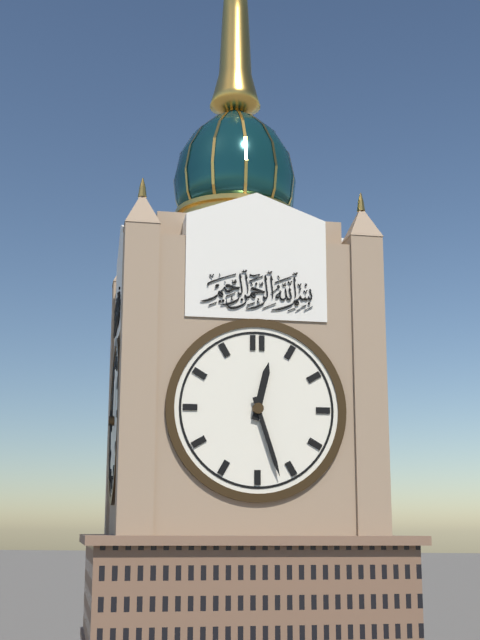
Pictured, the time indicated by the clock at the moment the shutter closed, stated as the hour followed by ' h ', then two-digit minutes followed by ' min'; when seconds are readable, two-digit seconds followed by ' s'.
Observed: 12 h 27 min
